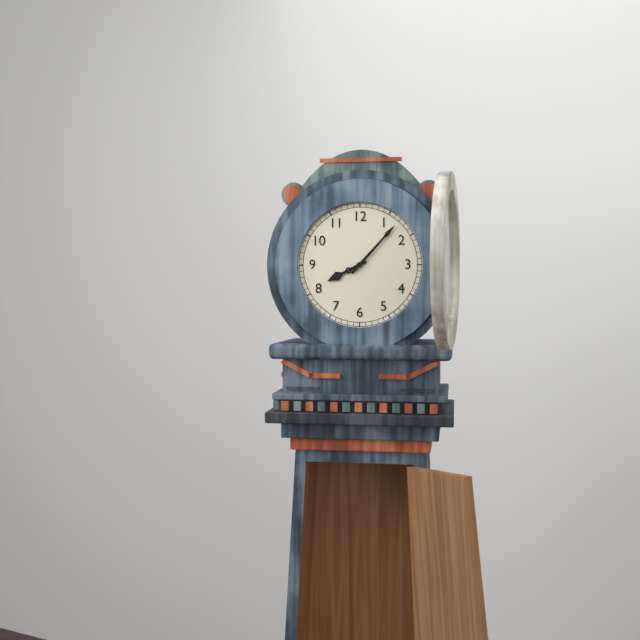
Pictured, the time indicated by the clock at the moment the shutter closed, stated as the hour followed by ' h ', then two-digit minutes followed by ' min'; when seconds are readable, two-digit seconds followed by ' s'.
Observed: 8 h 07 min
